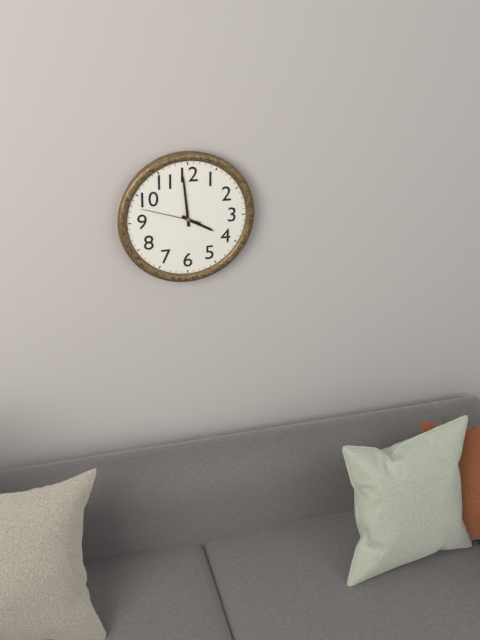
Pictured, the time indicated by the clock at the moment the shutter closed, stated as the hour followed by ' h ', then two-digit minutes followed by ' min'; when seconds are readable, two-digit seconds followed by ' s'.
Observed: 3 h 59 min 48 s
